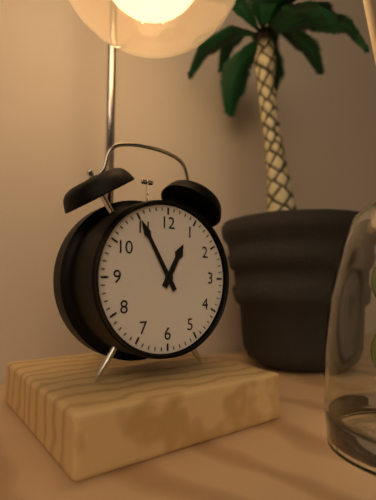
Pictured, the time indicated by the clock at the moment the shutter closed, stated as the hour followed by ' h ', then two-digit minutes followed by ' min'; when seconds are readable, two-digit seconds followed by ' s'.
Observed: 12 h 55 min
